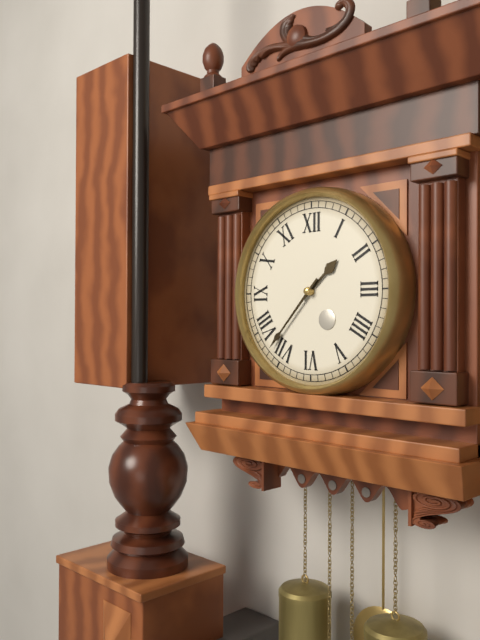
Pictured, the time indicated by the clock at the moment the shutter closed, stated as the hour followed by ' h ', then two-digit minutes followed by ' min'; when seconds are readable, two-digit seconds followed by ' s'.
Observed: 1 h 37 min
